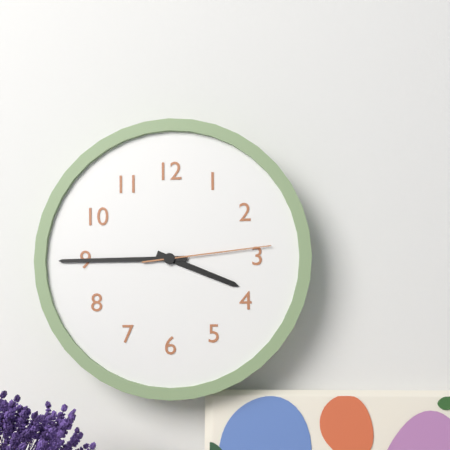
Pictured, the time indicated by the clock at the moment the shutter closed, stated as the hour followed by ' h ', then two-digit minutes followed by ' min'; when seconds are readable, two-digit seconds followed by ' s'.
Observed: 3 h 45 min 14 s
